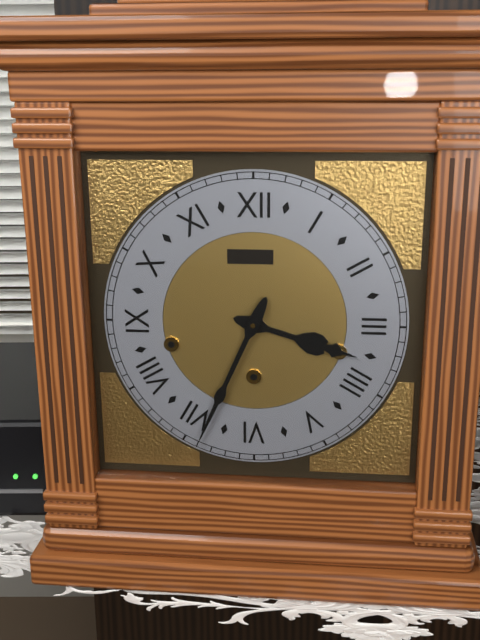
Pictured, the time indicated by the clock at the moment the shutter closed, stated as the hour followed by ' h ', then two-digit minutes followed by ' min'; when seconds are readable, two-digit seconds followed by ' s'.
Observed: 3 h 34 min
